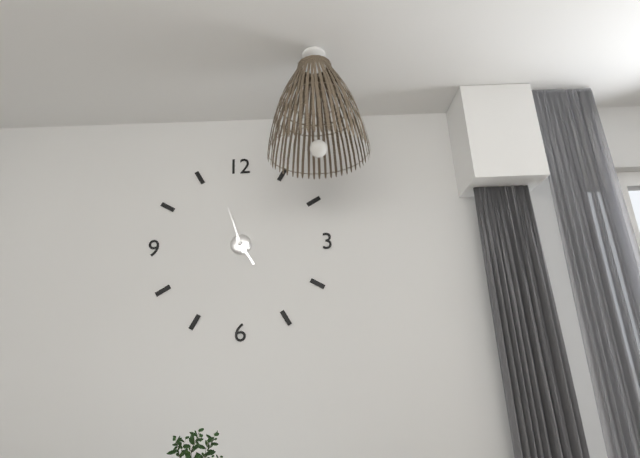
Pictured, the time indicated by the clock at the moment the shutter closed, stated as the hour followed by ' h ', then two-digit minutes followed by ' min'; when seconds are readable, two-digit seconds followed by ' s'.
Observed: 4 h 57 min
